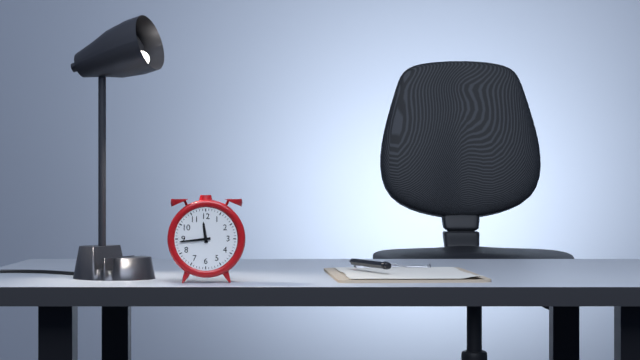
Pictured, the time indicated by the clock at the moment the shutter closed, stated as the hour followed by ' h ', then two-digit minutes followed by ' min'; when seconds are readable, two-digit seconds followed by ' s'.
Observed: 11 h 44 min
